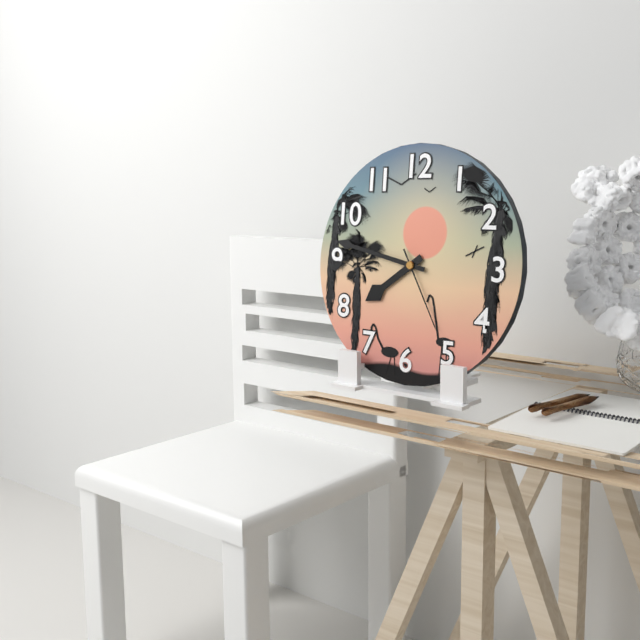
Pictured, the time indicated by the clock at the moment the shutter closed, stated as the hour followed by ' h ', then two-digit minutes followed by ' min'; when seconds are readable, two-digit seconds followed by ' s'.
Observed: 7 h 47 min 25 s
